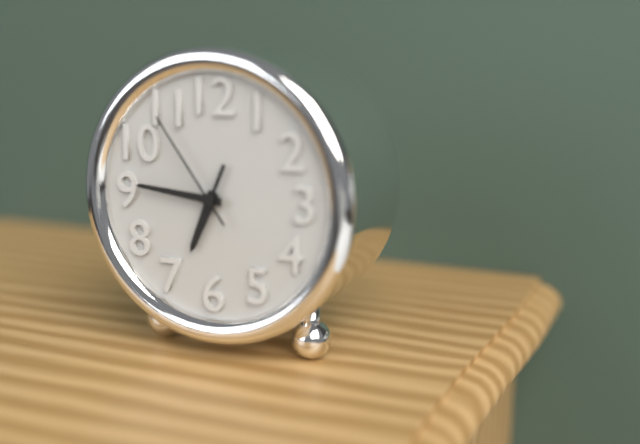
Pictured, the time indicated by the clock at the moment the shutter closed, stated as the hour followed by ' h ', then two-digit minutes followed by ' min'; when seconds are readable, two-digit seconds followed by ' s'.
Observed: 6 h 46 min 54 s
